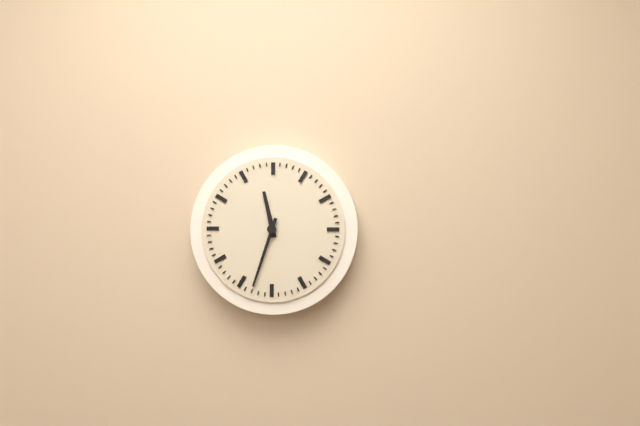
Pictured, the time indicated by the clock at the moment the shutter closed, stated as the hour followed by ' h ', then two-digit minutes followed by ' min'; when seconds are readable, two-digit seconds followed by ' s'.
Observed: 11 h 33 min
